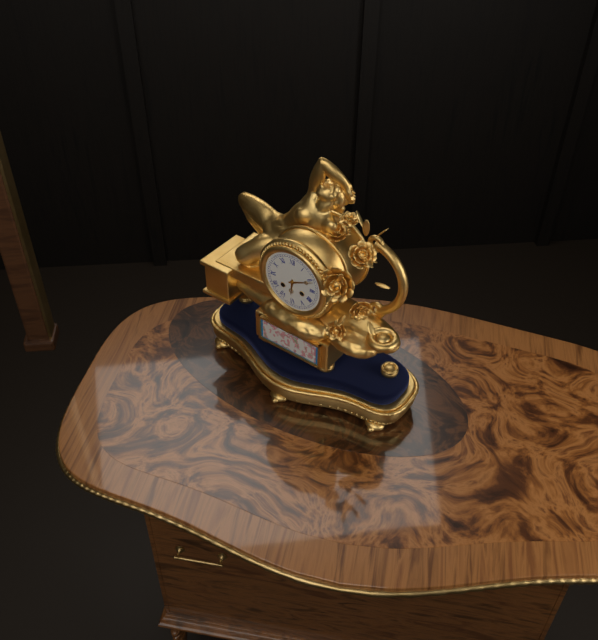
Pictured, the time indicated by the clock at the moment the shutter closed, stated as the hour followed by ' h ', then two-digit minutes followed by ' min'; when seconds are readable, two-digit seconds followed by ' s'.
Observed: 6 h 11 min
